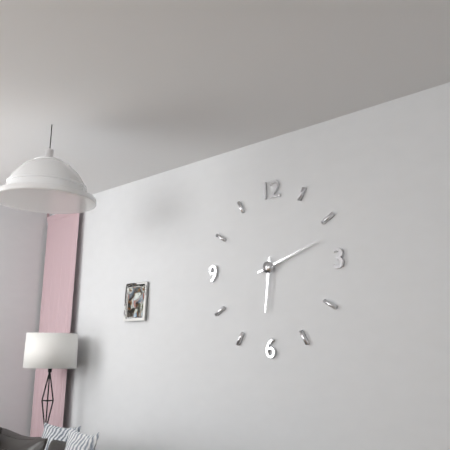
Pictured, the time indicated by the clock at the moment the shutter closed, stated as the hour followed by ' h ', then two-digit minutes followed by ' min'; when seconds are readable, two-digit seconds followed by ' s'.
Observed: 6 h 12 min
